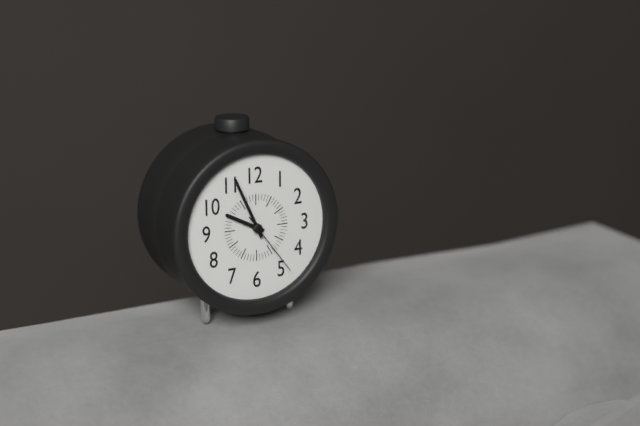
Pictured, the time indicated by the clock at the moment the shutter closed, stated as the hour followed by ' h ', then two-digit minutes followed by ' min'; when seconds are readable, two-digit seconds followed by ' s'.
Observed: 9 h 56 min 24 s
